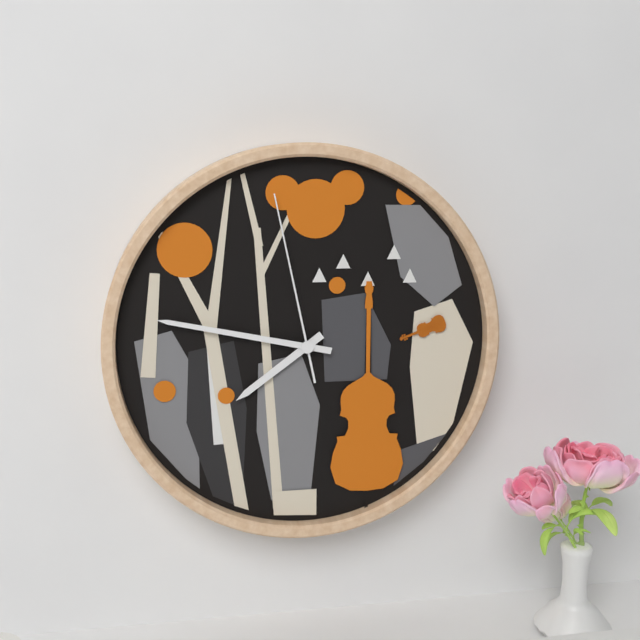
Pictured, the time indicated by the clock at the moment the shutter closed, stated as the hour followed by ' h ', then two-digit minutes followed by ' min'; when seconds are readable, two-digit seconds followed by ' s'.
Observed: 7 h 47 min 58 s
